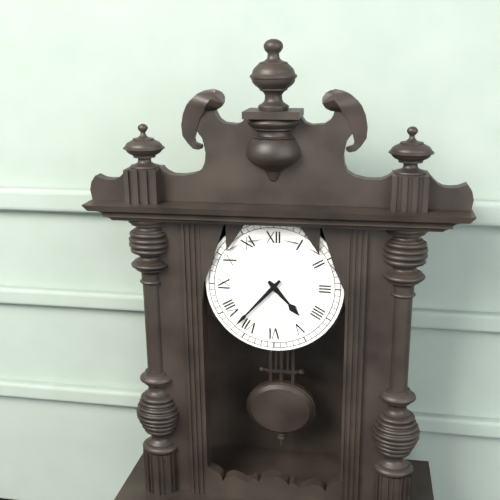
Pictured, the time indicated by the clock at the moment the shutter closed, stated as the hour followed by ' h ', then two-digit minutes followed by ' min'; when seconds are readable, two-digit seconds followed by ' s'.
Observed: 4 h 37 min
